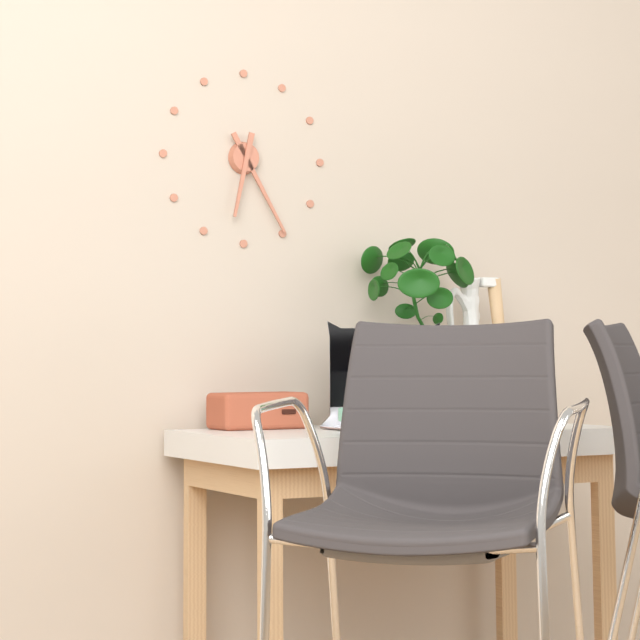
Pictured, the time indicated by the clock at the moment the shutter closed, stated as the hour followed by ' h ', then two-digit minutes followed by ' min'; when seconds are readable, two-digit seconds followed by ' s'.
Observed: 6 h 25 min
